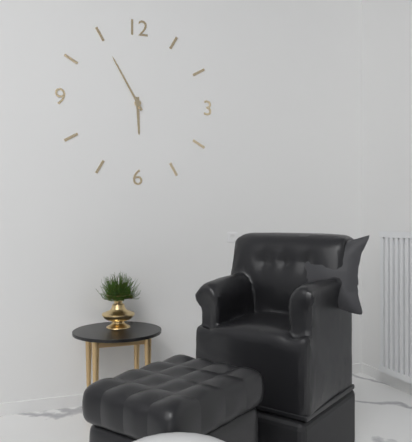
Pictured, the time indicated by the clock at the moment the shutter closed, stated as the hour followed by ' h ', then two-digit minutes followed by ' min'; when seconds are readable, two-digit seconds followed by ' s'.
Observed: 5 h 55 min
